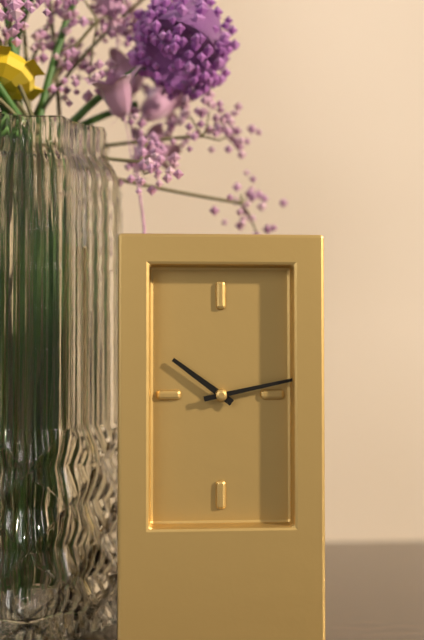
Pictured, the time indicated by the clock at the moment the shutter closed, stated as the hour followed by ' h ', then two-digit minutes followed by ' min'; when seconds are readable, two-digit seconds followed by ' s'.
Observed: 10 h 13 min
